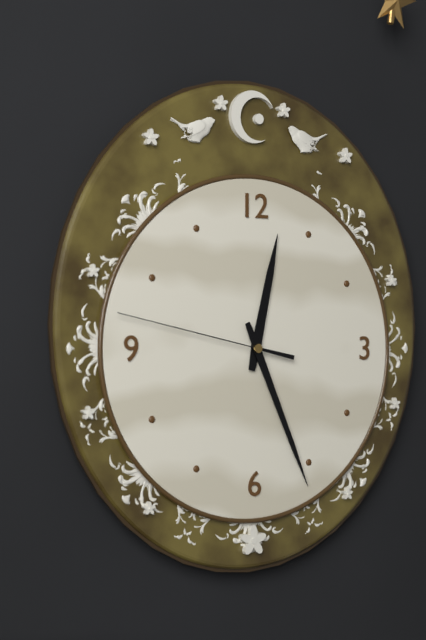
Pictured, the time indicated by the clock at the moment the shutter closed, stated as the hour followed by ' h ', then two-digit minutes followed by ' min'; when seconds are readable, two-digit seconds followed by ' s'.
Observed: 12 h 26 min 47 s
